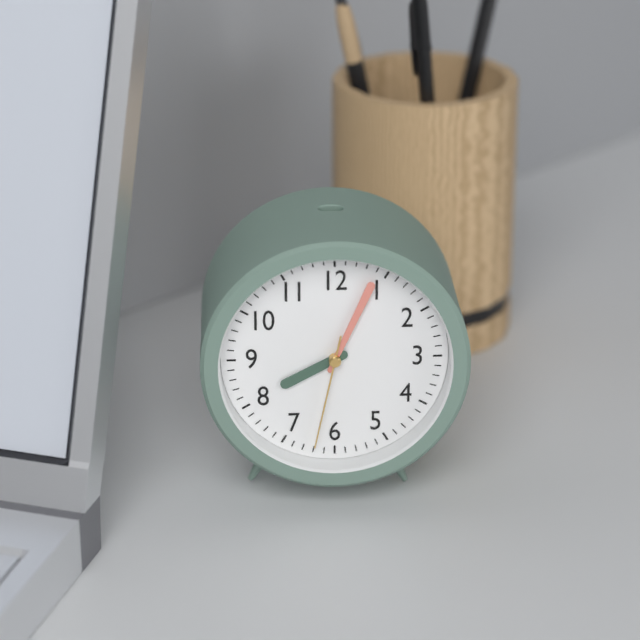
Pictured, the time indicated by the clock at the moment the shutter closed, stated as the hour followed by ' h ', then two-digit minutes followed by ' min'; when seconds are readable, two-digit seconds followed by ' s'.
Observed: 8 h 04 min 32 s
